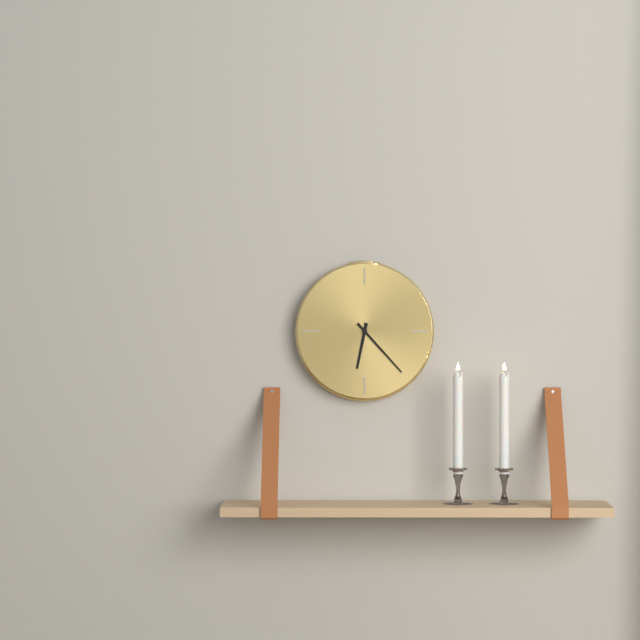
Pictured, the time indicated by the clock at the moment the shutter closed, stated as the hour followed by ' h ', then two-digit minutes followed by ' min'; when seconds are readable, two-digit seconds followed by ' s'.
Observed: 6 h 23 min
